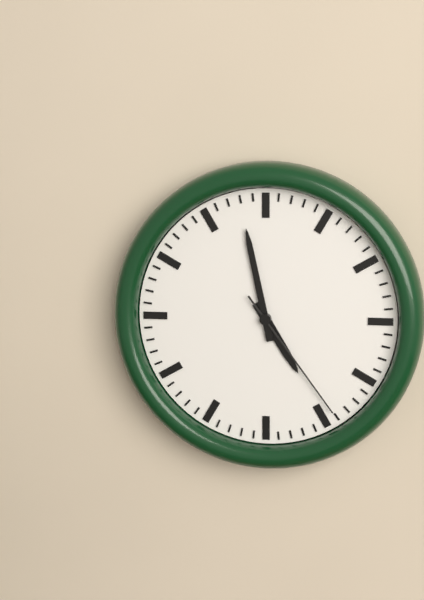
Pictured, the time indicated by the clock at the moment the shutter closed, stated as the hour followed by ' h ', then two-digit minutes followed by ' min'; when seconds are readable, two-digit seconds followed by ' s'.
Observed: 4 h 58 min 24 s
